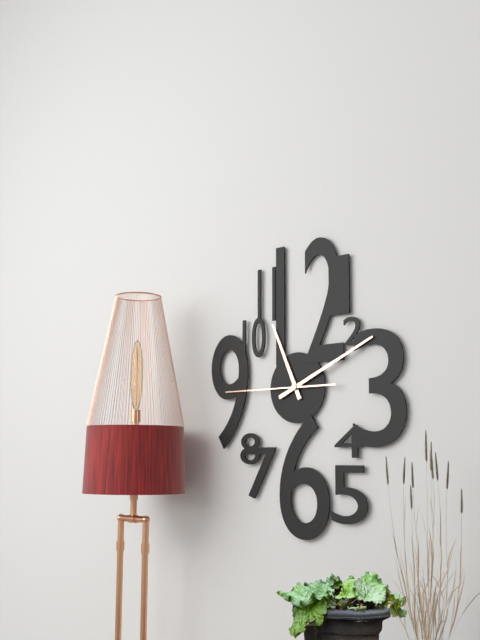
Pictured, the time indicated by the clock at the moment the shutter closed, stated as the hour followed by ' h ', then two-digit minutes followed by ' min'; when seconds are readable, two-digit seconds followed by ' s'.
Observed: 11 h 11 min 45 s
